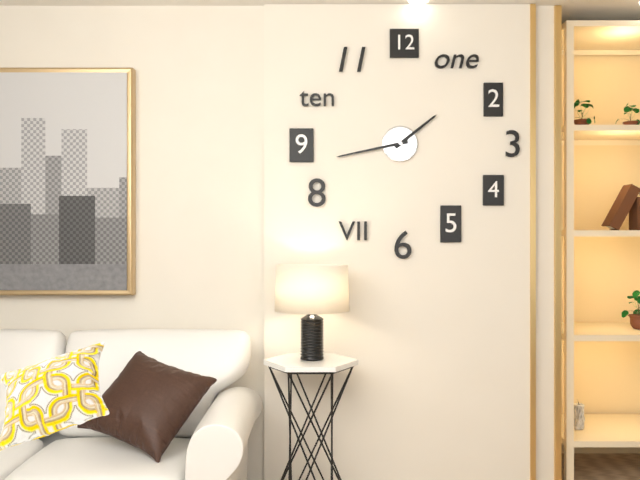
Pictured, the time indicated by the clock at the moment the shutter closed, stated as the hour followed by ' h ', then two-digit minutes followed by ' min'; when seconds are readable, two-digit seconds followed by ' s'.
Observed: 1 h 43 min
